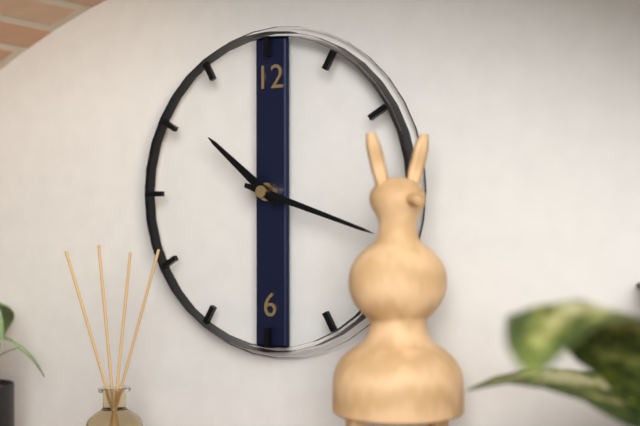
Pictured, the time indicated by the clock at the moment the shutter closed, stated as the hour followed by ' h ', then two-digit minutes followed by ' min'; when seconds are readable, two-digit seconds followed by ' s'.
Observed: 10 h 18 min
